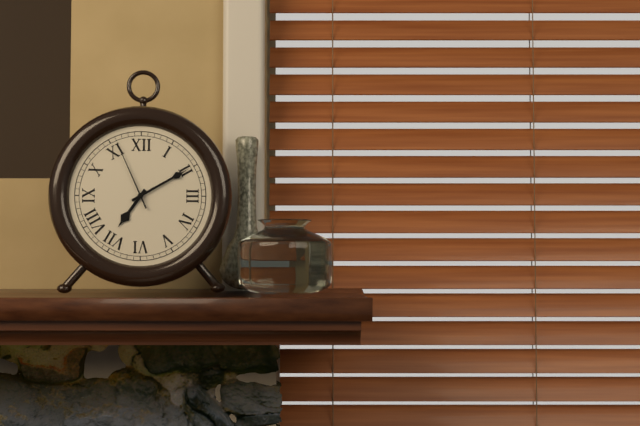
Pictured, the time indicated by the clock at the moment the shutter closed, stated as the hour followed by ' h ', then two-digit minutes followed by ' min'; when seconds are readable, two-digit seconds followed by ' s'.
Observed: 7 h 10 min 56 s
